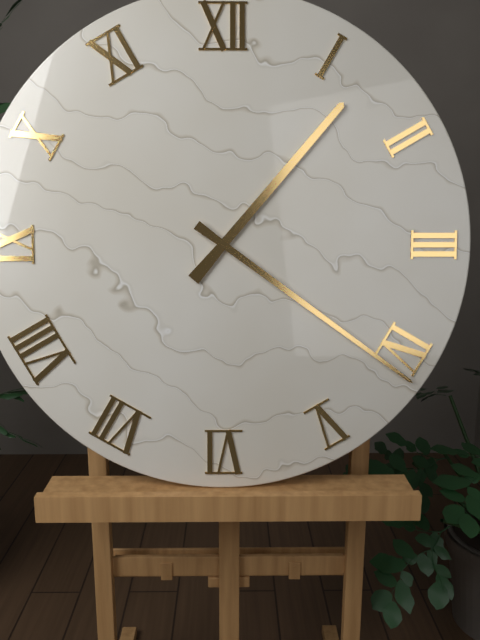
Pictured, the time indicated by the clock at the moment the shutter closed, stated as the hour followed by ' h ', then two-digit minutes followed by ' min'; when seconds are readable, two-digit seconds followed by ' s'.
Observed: 1 h 21 min
